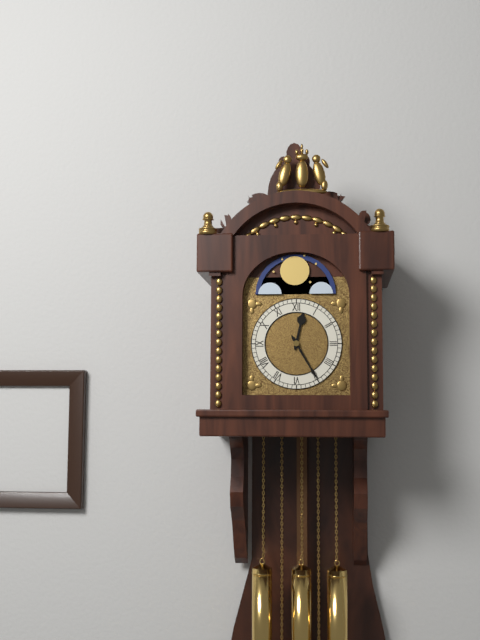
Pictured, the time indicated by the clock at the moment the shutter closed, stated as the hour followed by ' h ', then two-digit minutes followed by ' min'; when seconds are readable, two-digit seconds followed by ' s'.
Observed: 12 h 25 min
